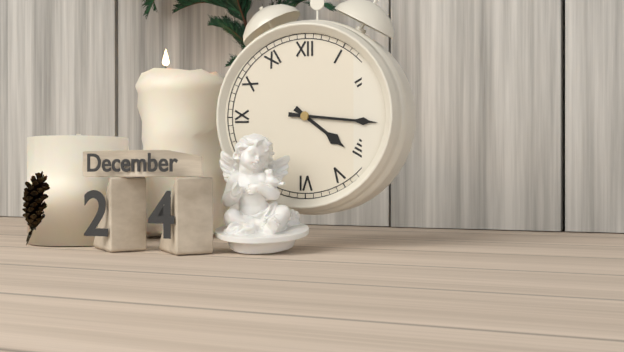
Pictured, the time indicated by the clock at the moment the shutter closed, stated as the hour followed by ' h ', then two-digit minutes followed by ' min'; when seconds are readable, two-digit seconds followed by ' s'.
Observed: 4 h 16 min
